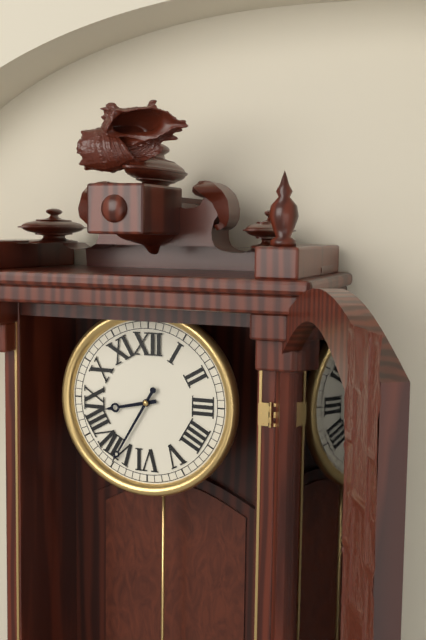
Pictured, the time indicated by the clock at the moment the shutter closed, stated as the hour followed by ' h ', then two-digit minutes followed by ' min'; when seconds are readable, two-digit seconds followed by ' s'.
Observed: 8 h 35 min
